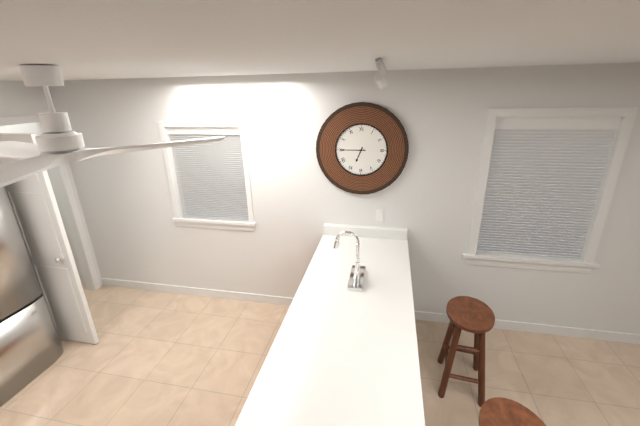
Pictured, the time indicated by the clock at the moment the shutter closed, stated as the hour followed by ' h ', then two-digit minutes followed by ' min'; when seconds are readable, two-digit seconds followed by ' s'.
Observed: 6 h 45 min
